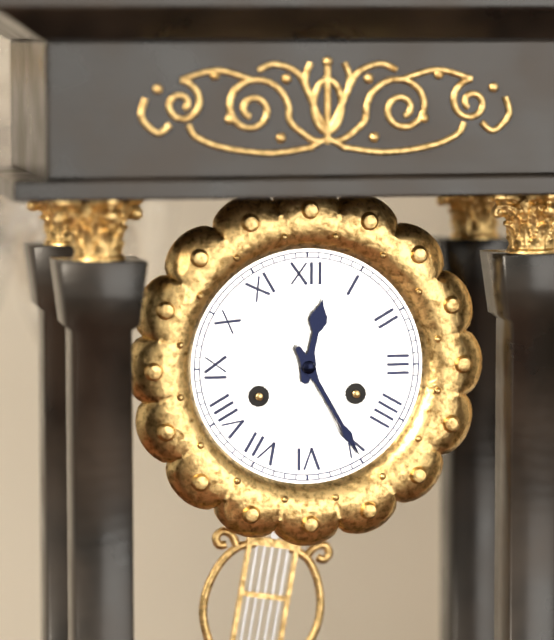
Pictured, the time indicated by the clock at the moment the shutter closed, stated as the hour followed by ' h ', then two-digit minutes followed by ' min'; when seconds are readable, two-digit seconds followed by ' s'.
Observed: 12 h 25 min
